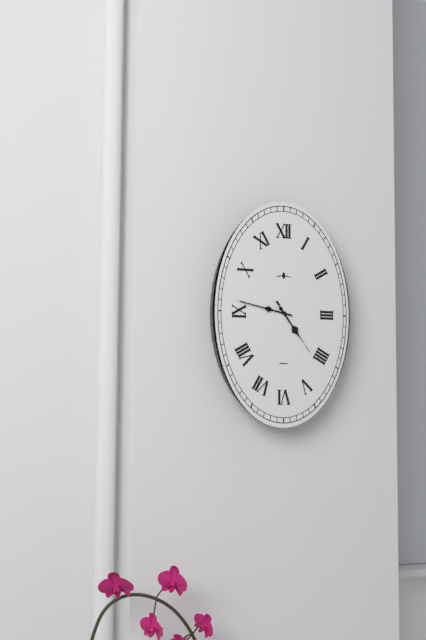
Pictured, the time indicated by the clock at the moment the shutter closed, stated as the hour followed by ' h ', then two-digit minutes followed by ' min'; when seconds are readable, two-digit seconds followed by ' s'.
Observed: 4 h 47 min 24 s
